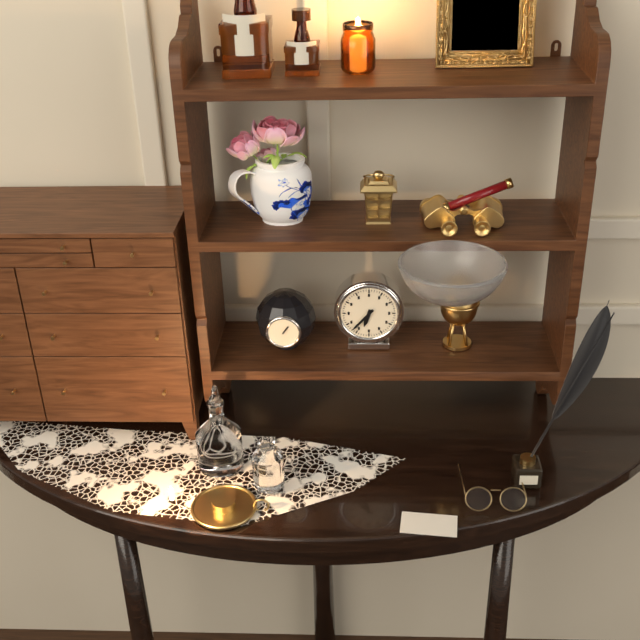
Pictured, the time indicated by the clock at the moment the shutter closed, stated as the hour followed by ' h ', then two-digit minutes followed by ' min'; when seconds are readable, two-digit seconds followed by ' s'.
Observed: 6 h 37 min
